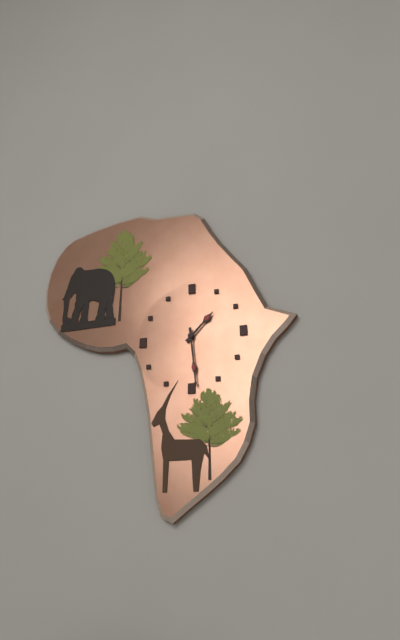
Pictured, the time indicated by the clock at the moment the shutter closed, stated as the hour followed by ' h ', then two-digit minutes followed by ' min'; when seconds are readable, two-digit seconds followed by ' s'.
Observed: 1 h 29 min
